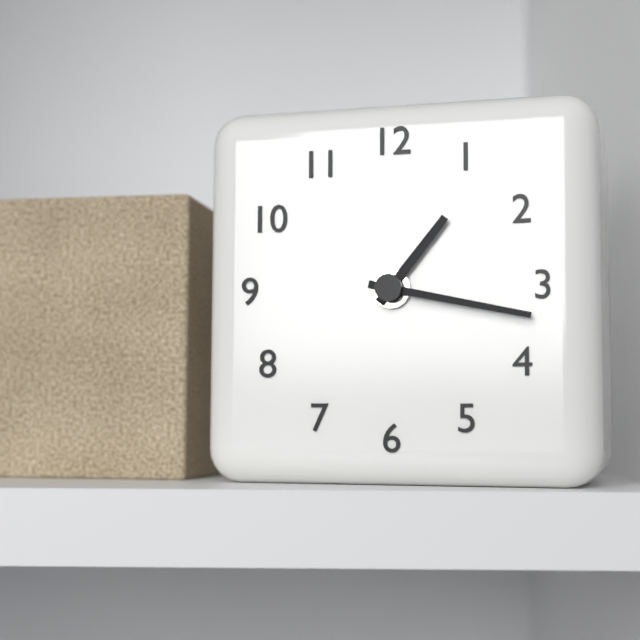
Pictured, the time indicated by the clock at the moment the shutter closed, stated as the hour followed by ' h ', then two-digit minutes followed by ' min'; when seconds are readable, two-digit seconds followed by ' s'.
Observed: 1 h 17 min
